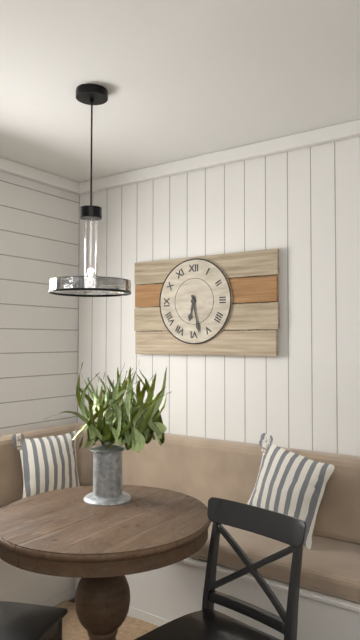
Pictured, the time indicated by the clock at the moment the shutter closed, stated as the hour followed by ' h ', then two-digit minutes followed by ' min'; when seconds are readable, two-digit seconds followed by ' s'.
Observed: 6 h 28 min
